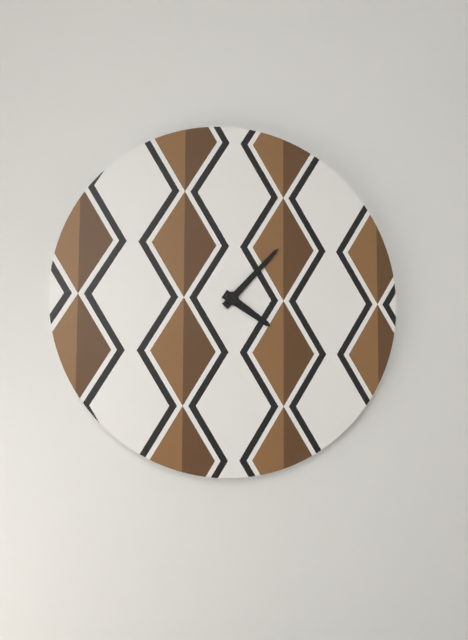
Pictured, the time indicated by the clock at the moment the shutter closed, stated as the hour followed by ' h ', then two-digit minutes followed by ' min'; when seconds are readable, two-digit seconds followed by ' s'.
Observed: 4 h 07 min
